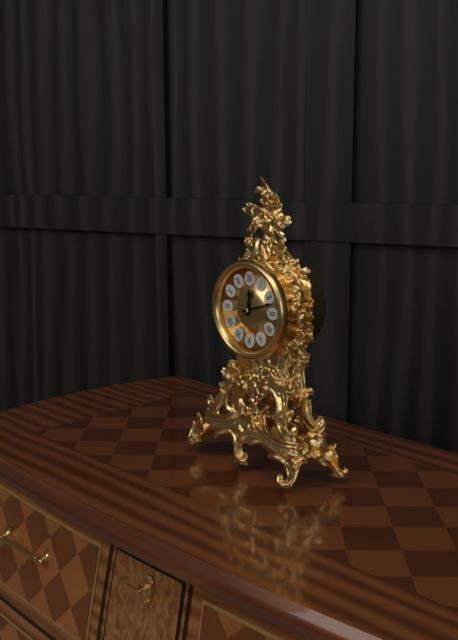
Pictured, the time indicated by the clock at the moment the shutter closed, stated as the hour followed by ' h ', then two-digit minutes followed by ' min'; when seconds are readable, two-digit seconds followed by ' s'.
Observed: 12 h 12 min
